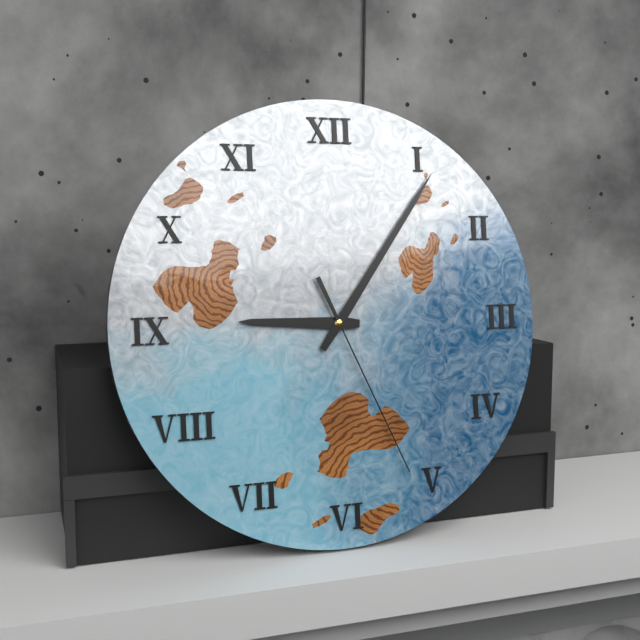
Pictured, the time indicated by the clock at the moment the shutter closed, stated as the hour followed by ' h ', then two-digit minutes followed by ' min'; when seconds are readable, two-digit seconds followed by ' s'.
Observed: 9 h 06 min 26 s
